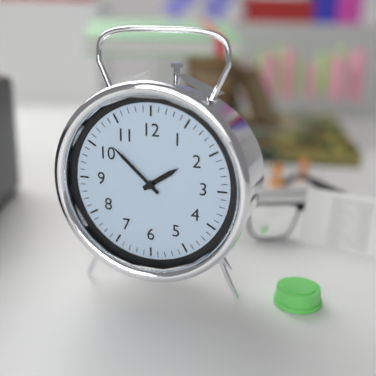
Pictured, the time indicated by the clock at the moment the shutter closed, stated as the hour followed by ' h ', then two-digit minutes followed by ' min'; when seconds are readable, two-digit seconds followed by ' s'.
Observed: 1 h 52 min
